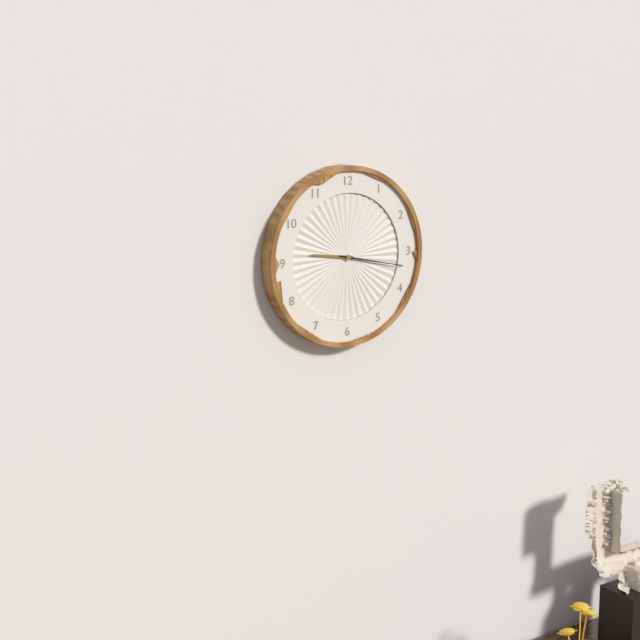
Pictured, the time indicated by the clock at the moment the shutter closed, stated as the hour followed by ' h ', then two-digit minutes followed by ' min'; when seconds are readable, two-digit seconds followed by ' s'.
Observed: 9 h 17 min
